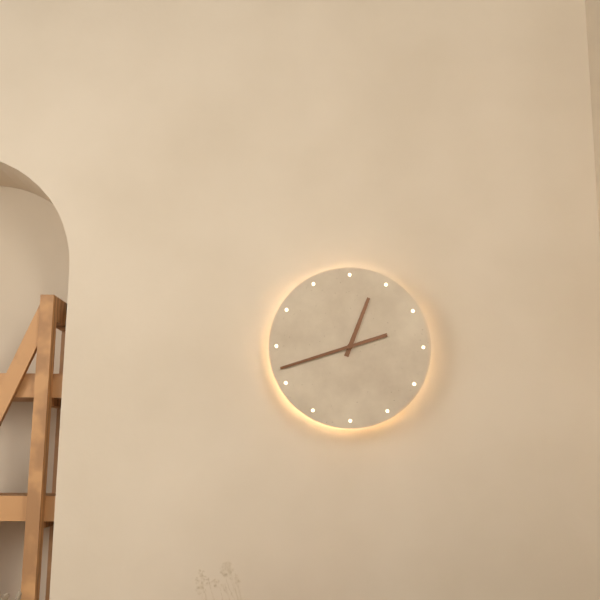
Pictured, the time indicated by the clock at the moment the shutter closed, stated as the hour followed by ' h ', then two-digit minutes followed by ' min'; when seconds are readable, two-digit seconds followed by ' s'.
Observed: 12 h 42 min
